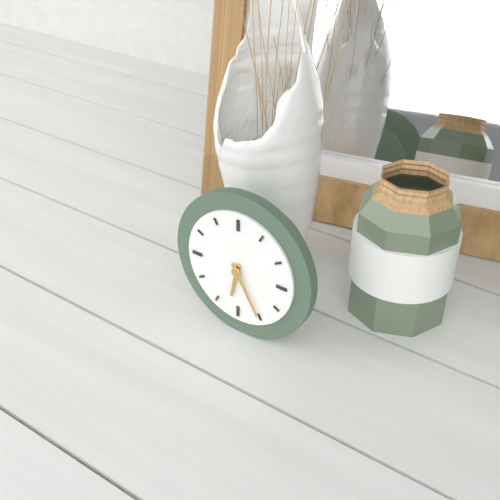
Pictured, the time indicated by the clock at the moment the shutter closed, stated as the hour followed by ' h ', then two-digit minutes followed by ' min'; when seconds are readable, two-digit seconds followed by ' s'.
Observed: 6 h 25 min
